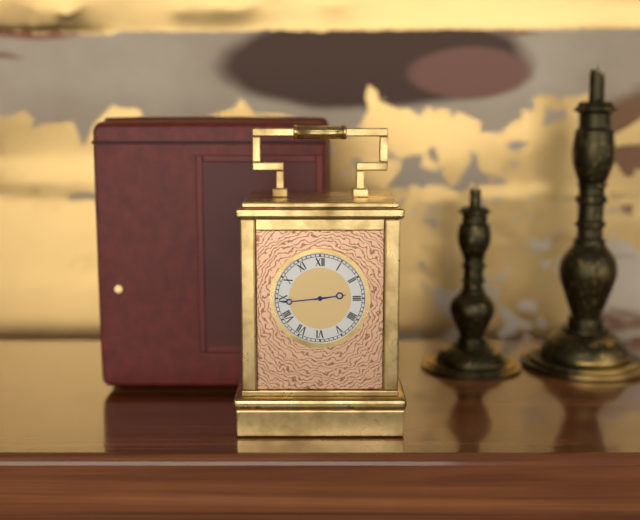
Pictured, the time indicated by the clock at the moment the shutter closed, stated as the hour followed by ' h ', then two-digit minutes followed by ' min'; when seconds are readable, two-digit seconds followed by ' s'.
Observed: 2 h 44 min
